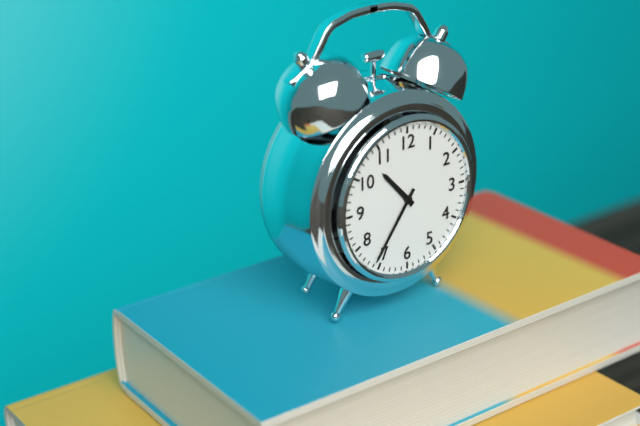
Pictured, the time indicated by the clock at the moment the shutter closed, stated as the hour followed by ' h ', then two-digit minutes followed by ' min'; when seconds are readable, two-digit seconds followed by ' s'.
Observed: 10 h 36 min
